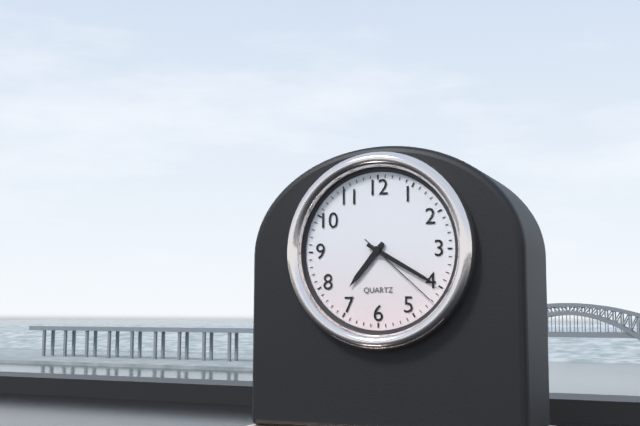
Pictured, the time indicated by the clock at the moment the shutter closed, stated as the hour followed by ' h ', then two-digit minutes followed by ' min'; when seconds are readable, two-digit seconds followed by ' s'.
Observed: 7 h 20 min 22 s
